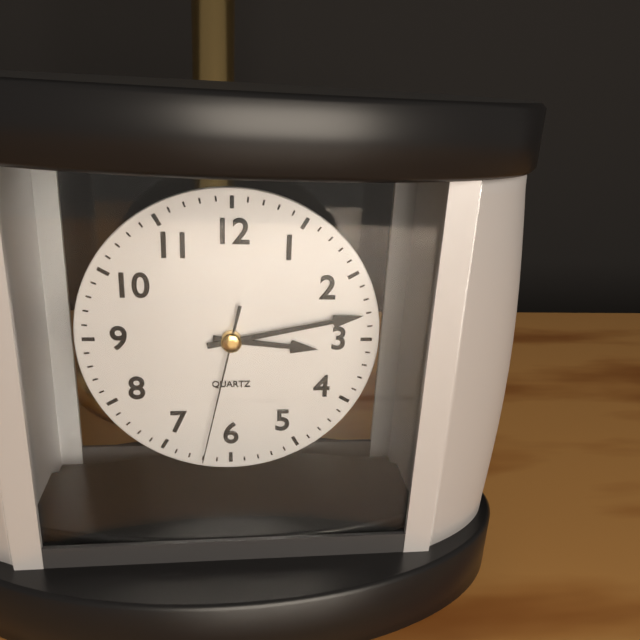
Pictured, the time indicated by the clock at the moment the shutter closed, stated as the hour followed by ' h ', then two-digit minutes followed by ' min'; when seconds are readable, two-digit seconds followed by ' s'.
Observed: 3 h 13 min 32 s
